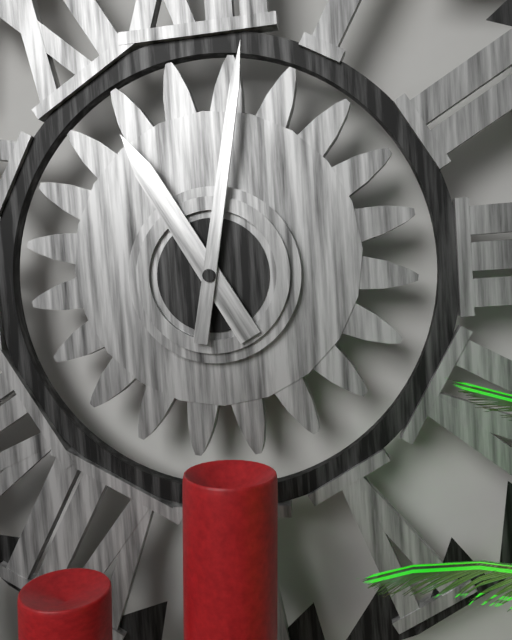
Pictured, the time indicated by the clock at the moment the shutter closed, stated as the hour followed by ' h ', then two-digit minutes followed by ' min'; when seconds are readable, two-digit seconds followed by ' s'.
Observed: 11 h 02 min
